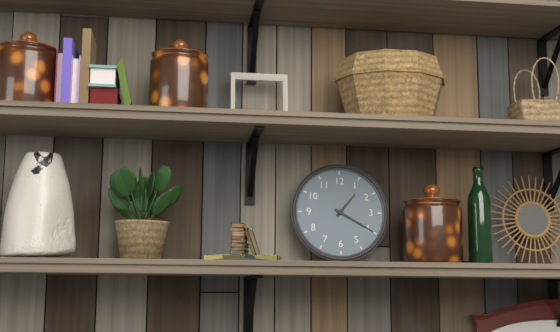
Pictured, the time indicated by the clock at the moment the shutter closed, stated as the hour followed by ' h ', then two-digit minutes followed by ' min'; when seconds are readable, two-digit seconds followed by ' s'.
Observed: 1 h 20 min
